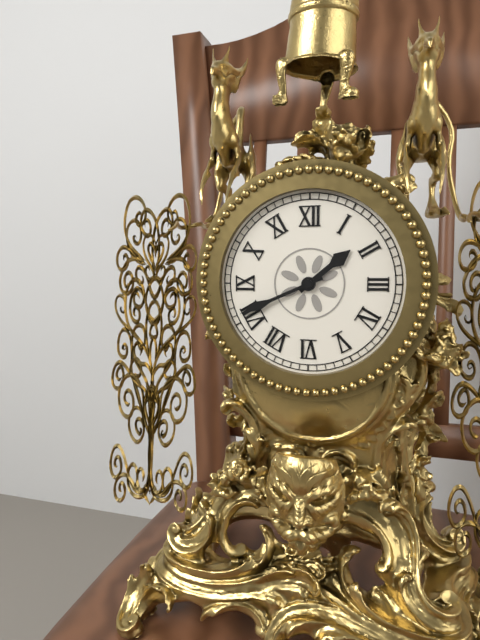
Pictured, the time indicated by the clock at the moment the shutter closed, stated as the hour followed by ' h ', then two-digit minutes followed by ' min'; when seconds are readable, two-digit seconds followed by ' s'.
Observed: 1 h 41 min
